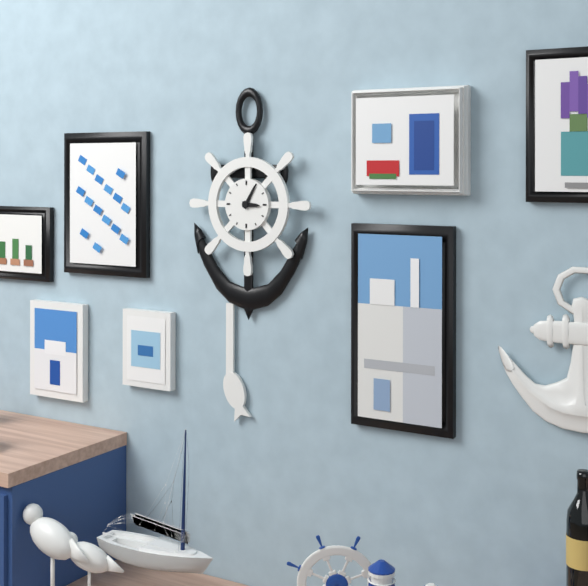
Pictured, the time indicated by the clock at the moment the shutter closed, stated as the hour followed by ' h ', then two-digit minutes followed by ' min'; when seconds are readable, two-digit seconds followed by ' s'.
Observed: 3 h 05 min
